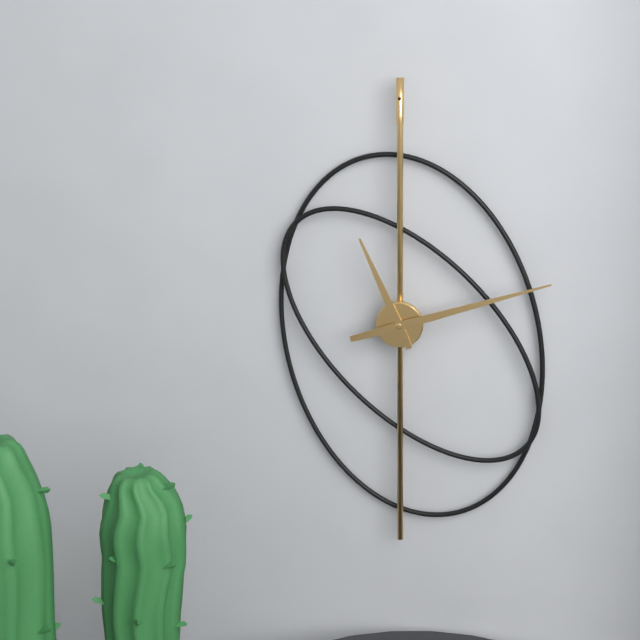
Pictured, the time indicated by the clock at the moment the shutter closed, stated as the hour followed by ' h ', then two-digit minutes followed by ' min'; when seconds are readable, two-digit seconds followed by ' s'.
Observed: 11 h 12 min
